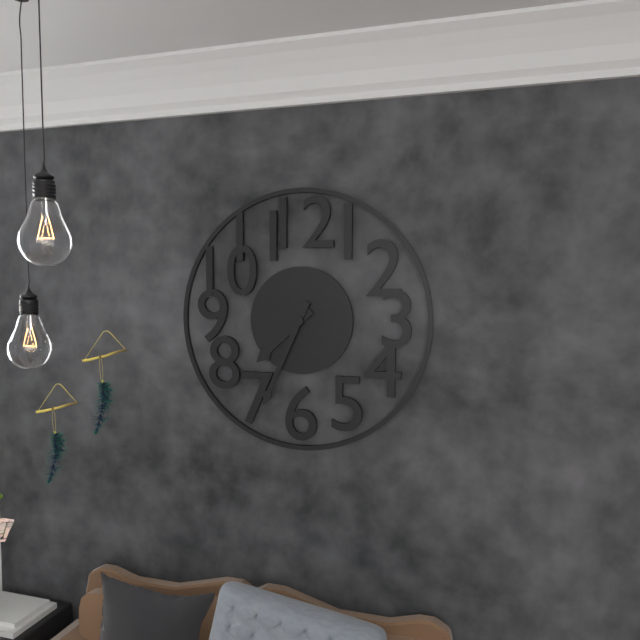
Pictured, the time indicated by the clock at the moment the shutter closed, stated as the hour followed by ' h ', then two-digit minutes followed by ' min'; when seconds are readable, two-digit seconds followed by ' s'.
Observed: 7 h 34 min
